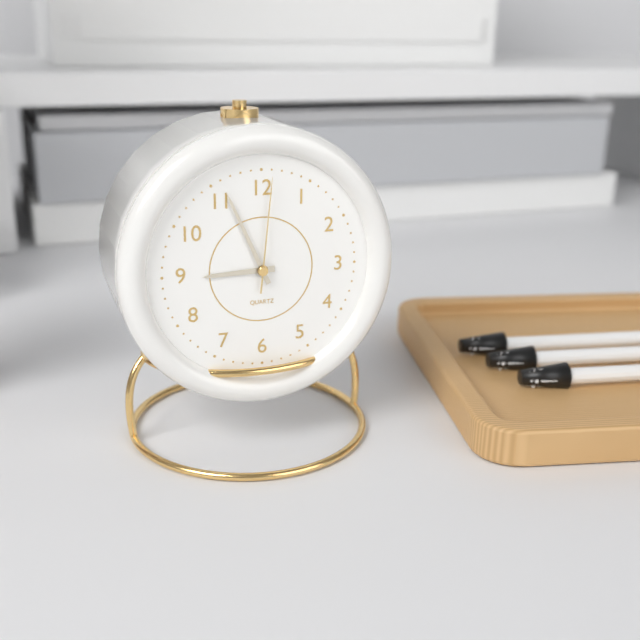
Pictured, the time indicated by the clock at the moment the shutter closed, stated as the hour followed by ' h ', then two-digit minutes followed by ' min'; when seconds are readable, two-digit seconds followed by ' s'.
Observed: 8 h 56 min 01 s
